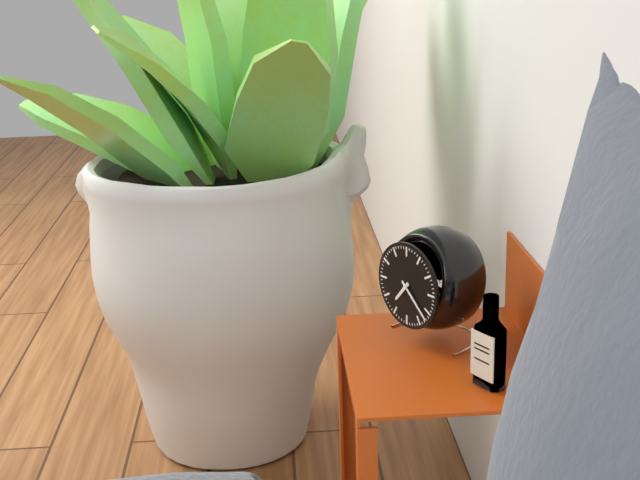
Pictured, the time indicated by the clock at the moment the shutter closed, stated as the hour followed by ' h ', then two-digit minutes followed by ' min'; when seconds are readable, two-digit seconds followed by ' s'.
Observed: 7 h 22 min
